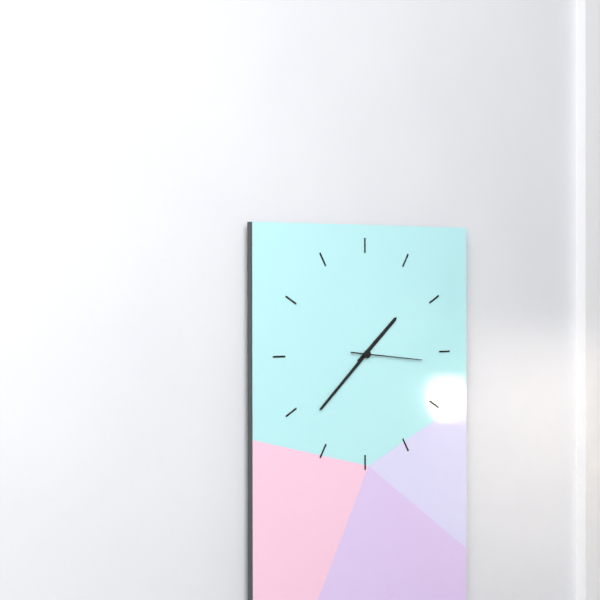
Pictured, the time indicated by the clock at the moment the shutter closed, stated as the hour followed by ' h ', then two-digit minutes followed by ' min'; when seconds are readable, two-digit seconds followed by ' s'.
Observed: 1 h 38 min 16 s
